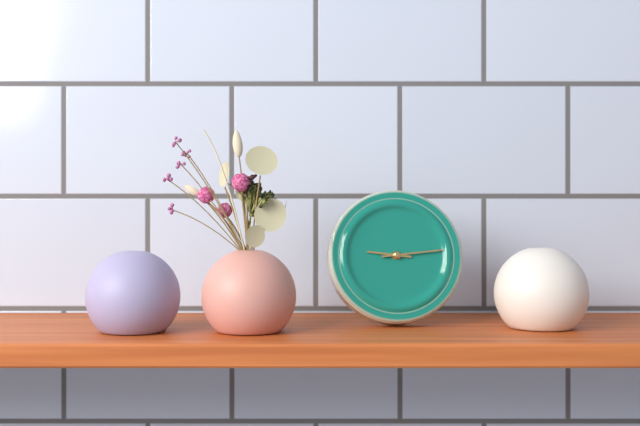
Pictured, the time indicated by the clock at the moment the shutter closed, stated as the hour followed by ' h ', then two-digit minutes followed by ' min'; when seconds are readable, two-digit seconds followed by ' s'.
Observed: 9 h 14 min
